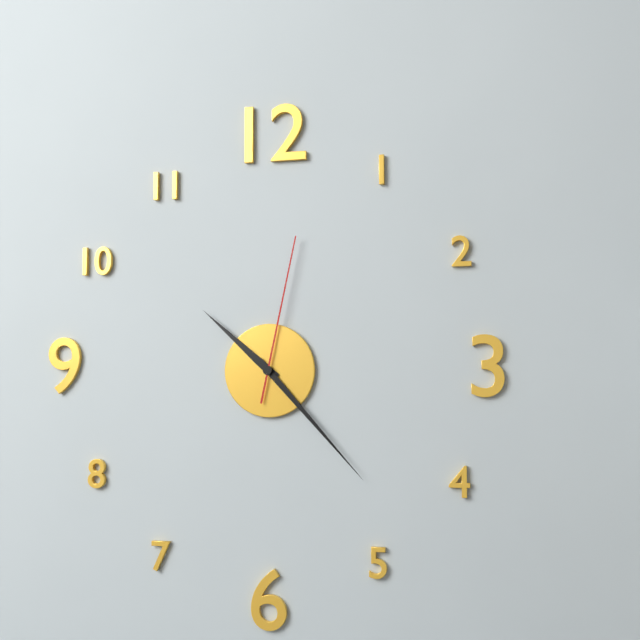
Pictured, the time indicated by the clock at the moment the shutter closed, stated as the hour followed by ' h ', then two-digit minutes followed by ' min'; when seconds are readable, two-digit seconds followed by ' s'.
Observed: 10 h 23 min 02 s
